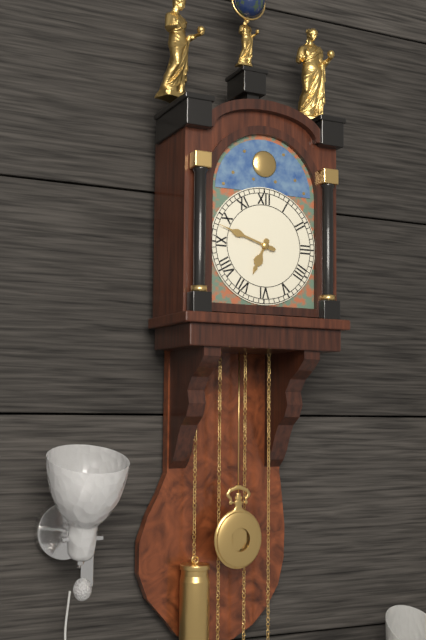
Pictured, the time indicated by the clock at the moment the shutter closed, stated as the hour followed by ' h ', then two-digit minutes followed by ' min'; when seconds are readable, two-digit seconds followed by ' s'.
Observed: 6 h 48 min
